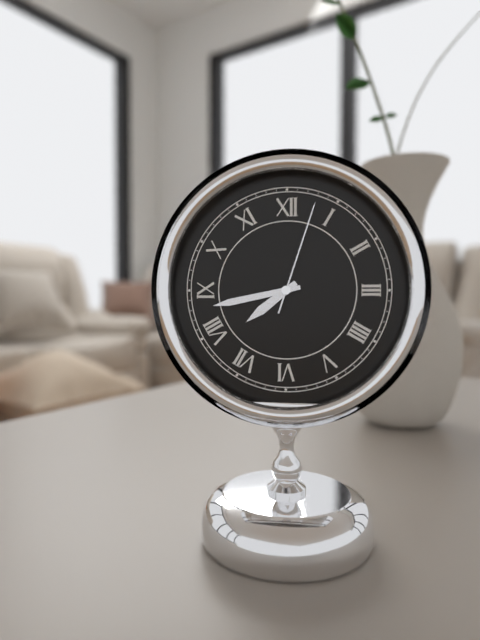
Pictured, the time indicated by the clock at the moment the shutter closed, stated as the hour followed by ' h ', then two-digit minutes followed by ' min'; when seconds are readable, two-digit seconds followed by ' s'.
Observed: 7 h 43 min 03 s
